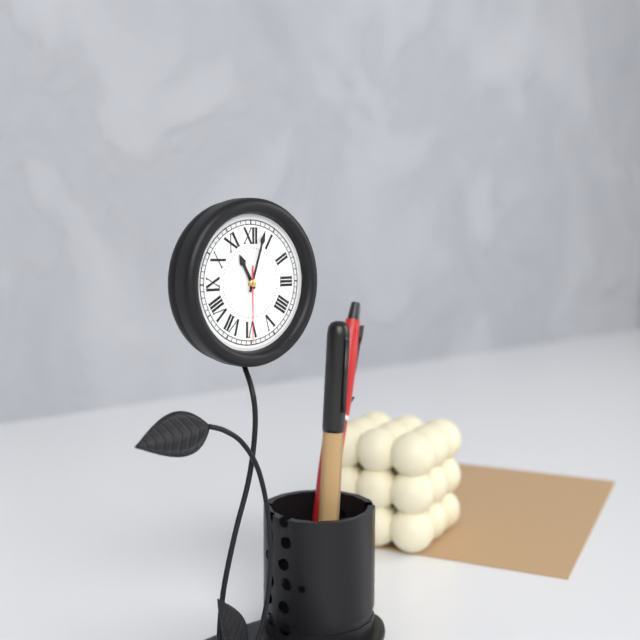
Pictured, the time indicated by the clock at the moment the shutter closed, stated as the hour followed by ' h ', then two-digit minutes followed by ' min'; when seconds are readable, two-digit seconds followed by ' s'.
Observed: 11 h 03 min 30 s
